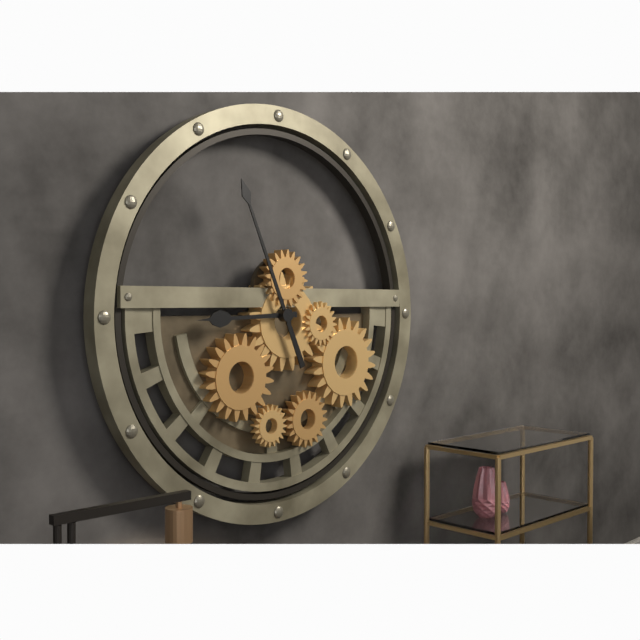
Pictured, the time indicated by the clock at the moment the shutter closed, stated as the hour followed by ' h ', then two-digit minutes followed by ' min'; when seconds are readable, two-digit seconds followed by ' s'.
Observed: 8 h 56 min
